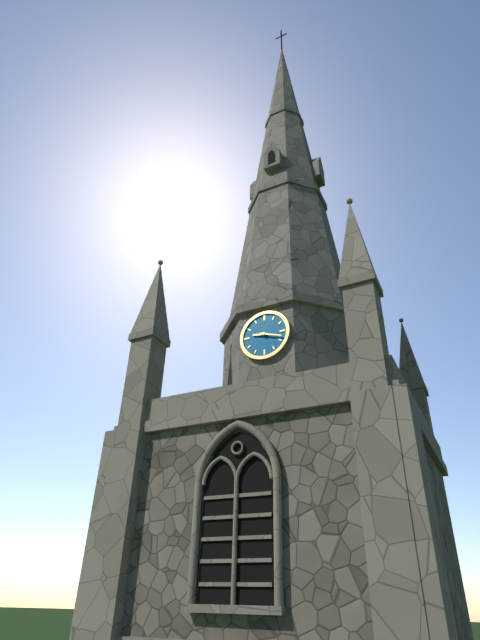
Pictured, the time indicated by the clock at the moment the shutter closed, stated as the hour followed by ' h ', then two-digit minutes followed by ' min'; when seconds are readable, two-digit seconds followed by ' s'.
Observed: 9 h 18 min
